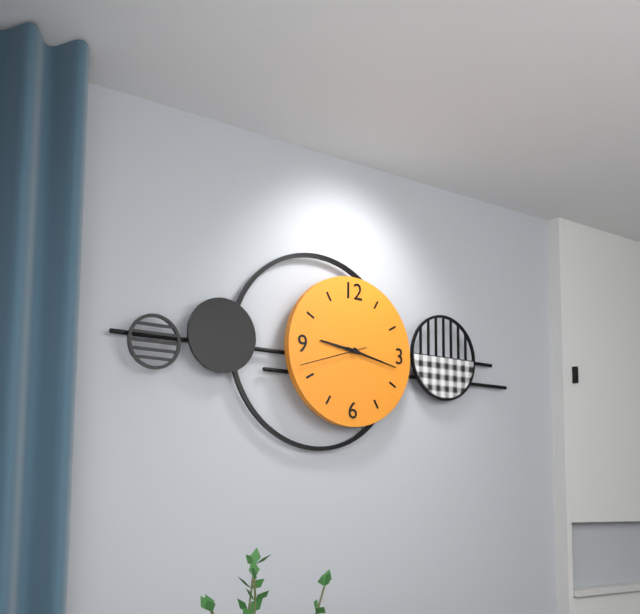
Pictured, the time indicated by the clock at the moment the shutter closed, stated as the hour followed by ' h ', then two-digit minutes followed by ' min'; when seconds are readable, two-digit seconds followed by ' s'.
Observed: 9 h 17 min 42 s
